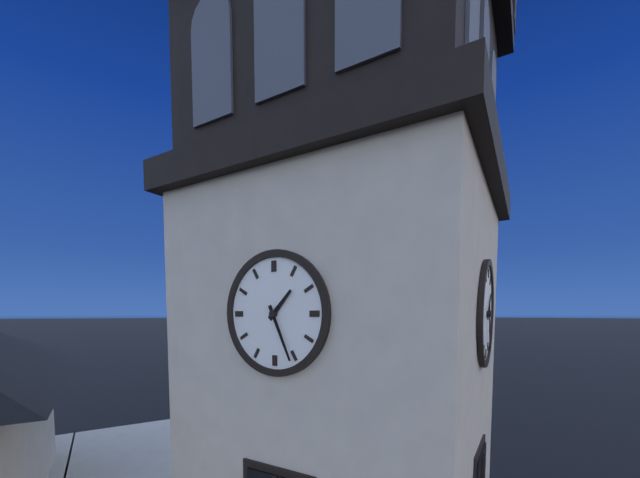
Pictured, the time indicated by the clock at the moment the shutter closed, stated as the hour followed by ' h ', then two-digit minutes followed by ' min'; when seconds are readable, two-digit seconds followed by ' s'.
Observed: 1 h 26 min
